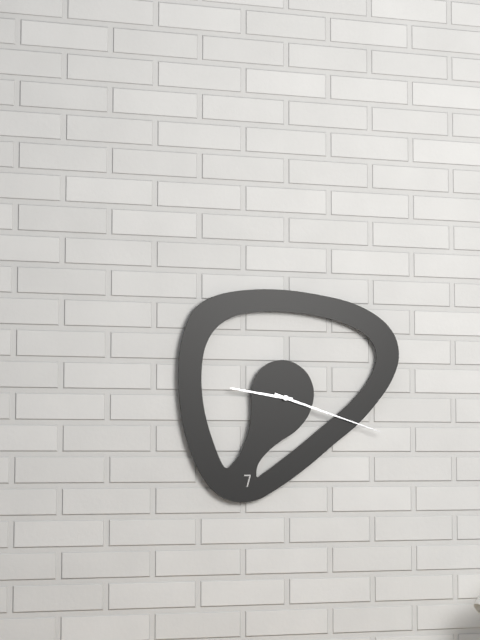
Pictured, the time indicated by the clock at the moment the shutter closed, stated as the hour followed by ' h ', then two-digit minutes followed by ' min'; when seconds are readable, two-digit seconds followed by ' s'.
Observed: 9 h 18 min
